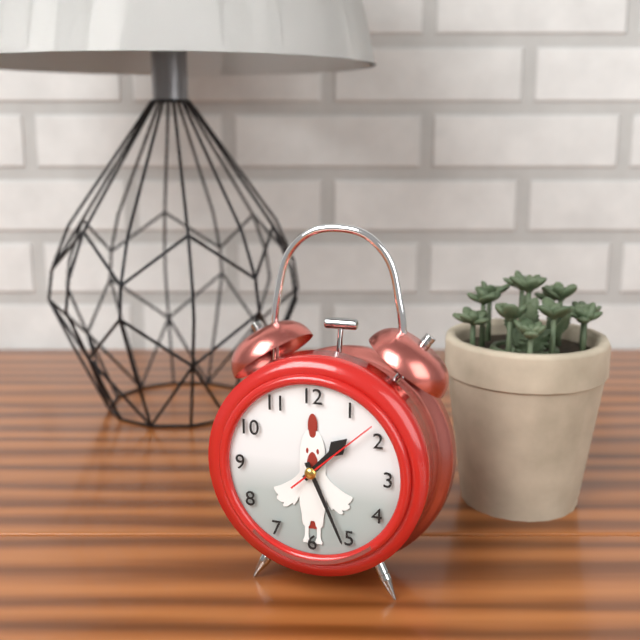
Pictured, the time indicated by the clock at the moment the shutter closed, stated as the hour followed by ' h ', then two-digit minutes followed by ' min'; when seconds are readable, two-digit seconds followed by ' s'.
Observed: 1 h 26 min 08 s
